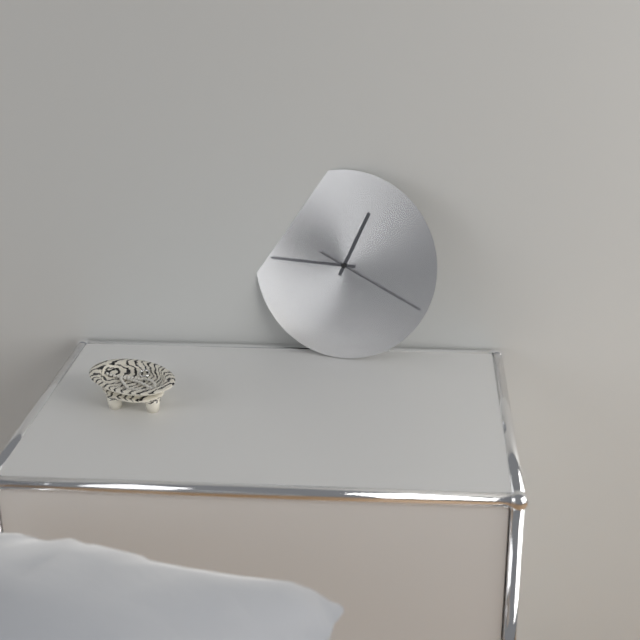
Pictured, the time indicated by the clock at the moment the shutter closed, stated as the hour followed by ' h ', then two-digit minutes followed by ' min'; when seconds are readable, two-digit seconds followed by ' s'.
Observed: 12 h 45 min 19 s
